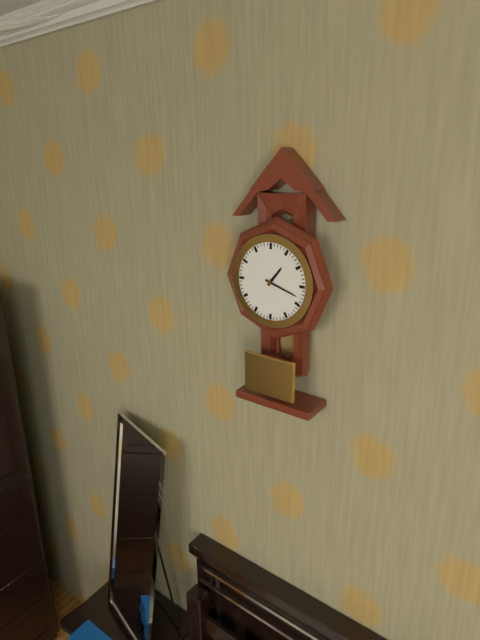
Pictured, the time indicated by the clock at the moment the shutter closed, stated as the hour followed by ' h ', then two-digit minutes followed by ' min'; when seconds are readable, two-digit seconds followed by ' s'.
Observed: 1 h 18 min
